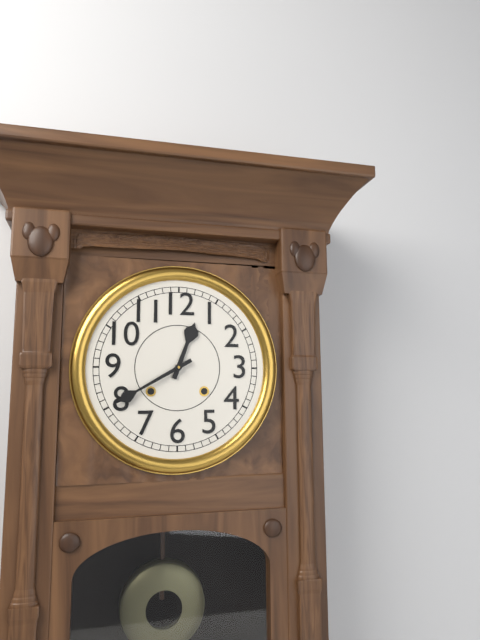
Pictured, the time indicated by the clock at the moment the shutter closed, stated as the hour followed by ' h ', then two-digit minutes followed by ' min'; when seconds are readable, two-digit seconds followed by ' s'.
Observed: 12 h 40 min
